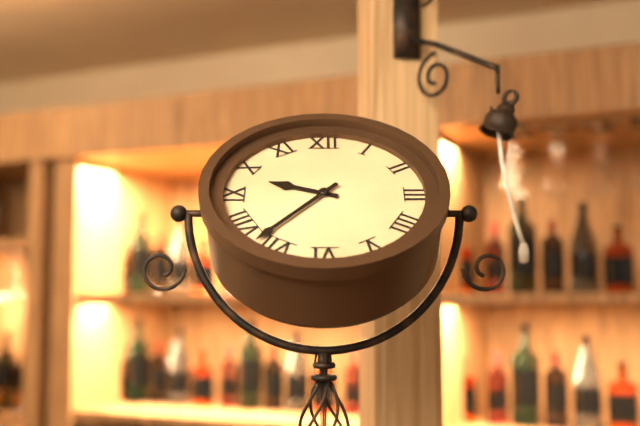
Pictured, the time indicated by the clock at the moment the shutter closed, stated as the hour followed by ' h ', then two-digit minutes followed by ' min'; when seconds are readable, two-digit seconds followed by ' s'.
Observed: 9 h 37 min
